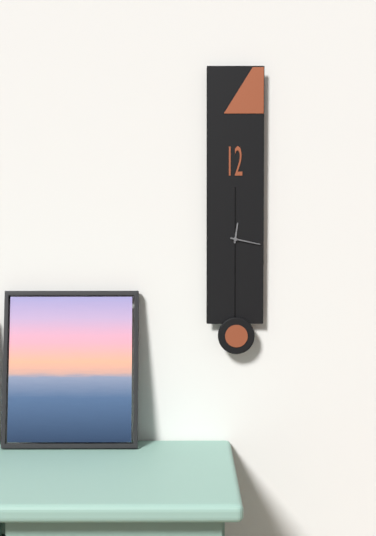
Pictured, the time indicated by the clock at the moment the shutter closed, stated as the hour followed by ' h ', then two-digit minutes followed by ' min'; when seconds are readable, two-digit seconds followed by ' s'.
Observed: 12 h 17 min
